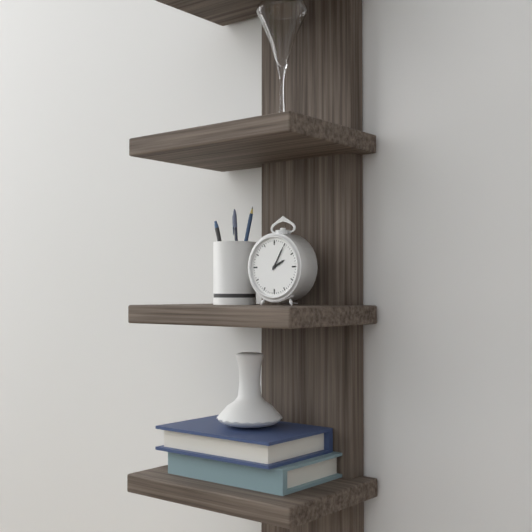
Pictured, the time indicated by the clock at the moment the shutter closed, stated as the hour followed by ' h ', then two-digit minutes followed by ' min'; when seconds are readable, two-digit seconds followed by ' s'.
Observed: 2 h 05 min
